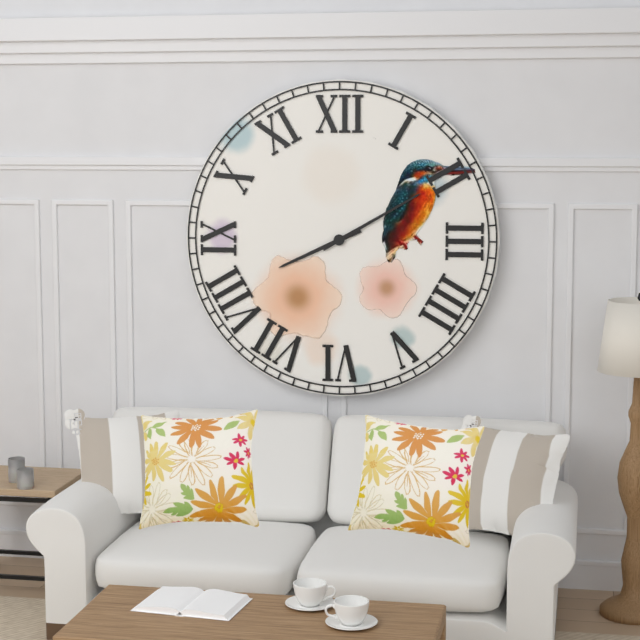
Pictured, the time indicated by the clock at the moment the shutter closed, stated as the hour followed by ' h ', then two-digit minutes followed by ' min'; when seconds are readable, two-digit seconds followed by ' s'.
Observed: 8 h 10 min
